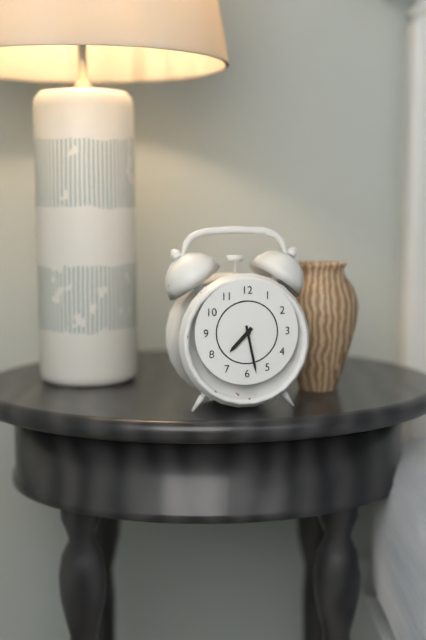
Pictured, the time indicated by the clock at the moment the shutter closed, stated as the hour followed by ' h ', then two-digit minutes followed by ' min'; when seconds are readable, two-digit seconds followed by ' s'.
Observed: 7 h 28 min
